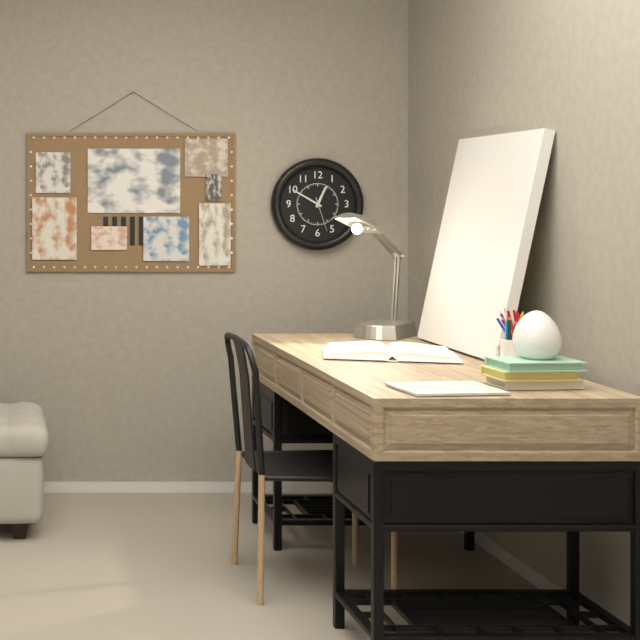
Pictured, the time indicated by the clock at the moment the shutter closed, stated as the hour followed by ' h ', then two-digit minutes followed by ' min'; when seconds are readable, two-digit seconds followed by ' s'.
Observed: 12 h 50 min
